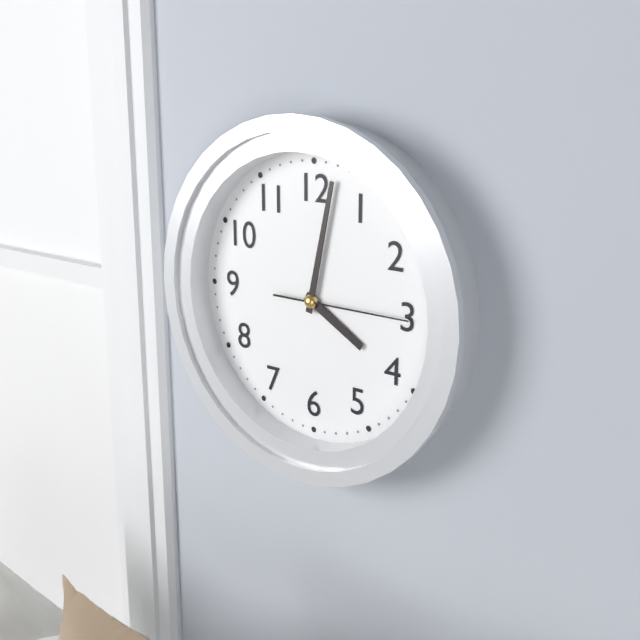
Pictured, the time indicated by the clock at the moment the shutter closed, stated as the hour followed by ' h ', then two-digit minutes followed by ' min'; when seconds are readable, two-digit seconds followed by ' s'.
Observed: 4 h 02 min 15 s
